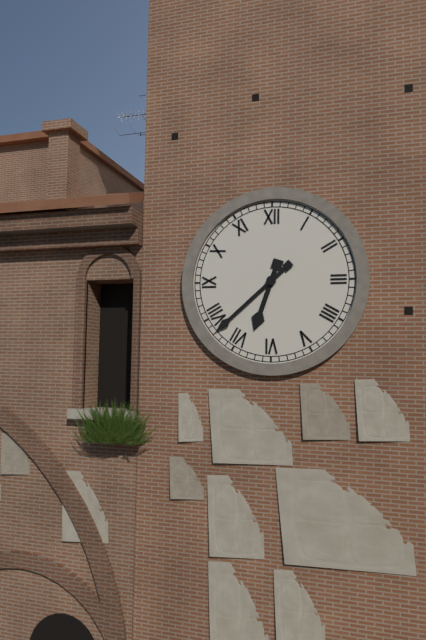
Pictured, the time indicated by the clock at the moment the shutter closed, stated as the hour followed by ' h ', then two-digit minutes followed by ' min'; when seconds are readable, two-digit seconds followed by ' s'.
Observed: 6 h 38 min
